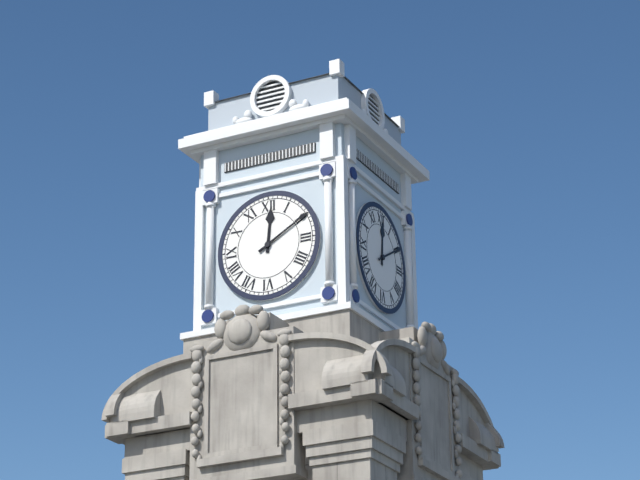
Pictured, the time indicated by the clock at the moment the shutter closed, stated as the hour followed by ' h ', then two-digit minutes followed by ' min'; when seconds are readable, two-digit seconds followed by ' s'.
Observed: 12 h 10 min
